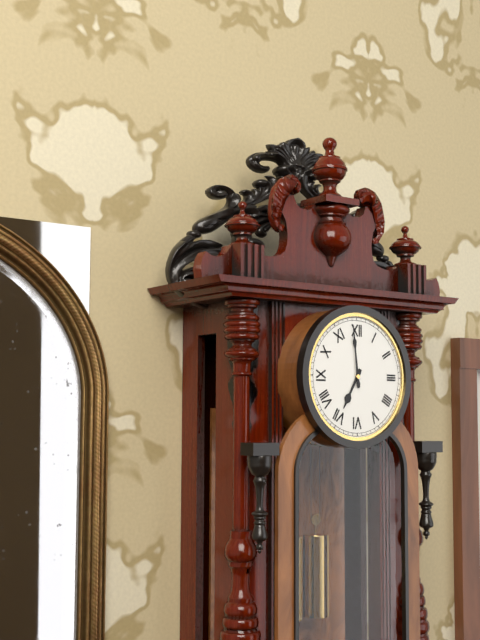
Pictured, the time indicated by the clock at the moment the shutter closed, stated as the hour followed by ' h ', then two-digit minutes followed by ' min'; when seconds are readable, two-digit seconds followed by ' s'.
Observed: 6 h 59 min
